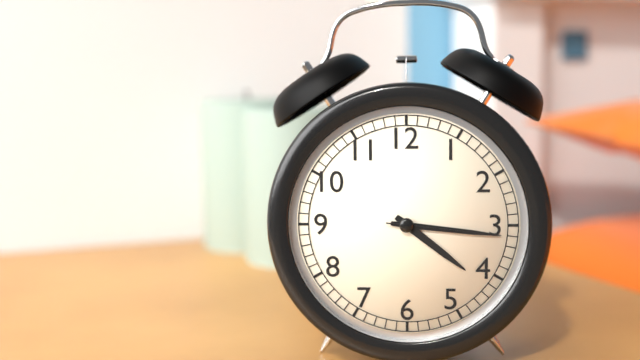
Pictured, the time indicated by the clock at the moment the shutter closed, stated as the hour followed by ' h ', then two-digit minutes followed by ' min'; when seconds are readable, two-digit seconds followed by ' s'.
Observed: 4 h 16 min 16 s
